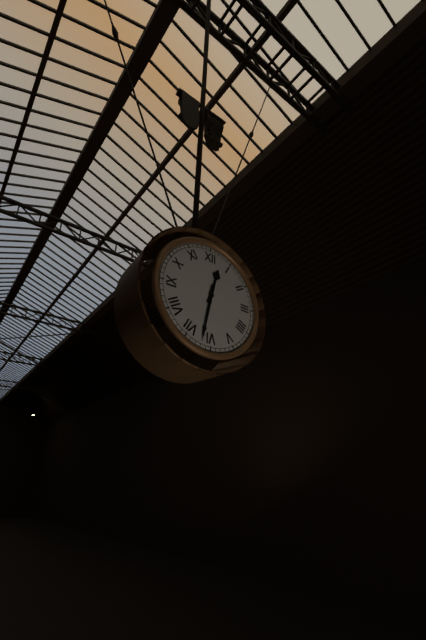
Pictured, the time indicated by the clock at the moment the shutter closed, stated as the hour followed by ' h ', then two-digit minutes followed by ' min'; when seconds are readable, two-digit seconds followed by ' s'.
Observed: 12 h 32 min
